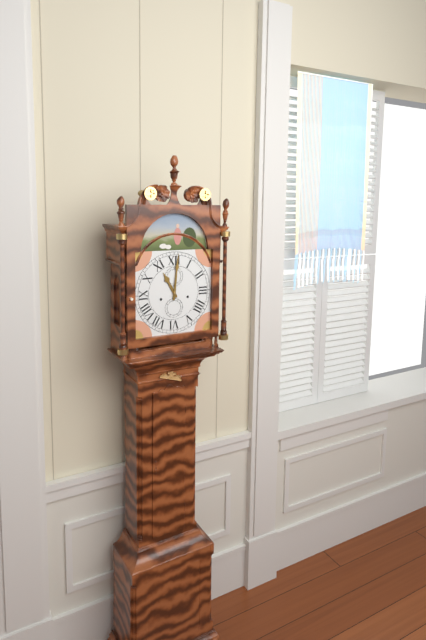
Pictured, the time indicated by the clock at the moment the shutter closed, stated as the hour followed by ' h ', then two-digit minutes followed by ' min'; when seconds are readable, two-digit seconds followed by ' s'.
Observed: 11 h 01 min
